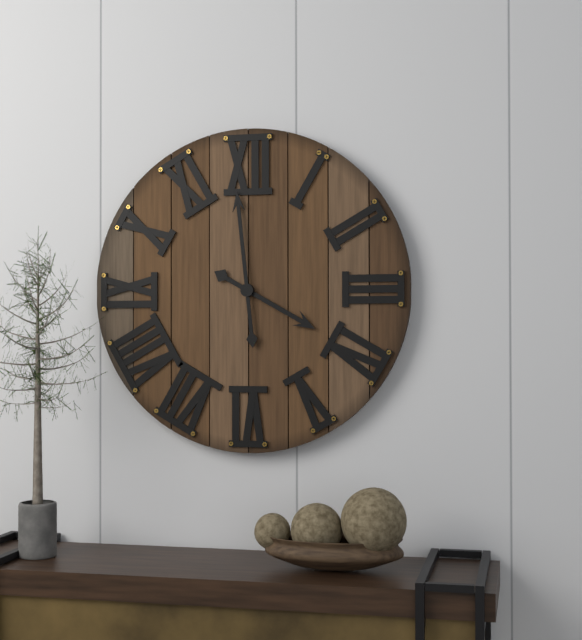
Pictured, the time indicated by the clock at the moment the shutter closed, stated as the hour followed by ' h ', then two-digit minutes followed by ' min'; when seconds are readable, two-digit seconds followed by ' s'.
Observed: 3 h 59 min
